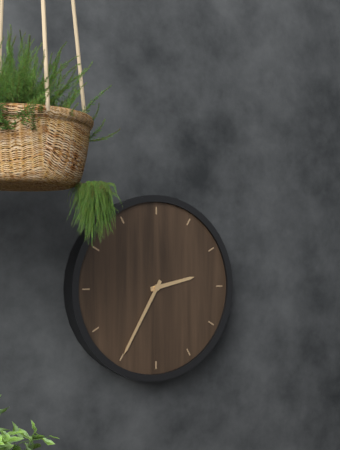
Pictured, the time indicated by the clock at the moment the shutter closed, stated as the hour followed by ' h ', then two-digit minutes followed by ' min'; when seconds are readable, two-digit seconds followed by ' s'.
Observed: 2 h 35 min
